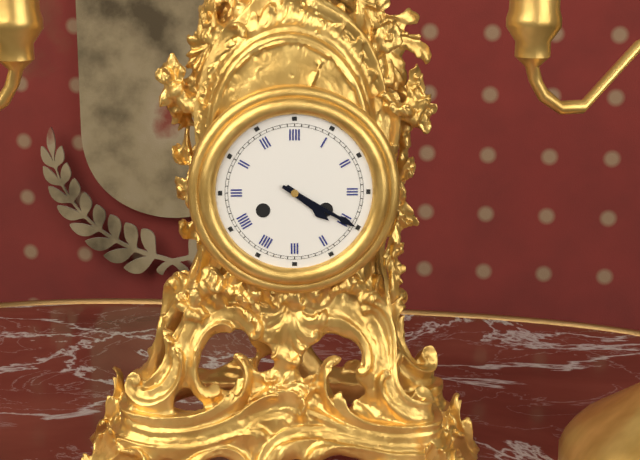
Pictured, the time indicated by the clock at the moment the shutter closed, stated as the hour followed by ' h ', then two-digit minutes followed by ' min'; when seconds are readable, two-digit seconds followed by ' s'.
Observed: 4 h 20 min
